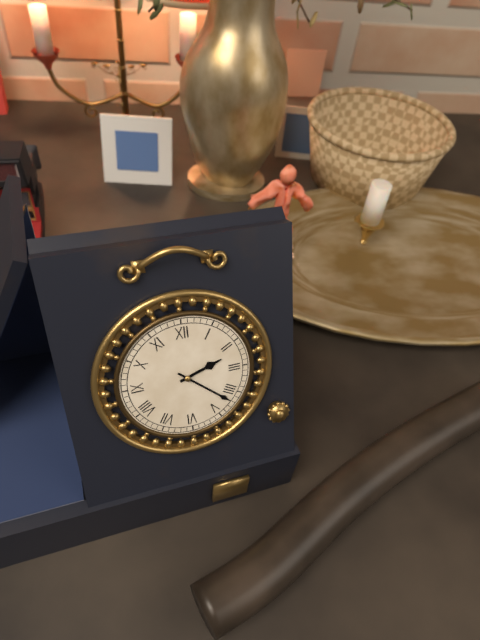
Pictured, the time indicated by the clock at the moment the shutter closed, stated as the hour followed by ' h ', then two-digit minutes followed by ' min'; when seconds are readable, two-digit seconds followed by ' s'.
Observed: 2 h 22 min
